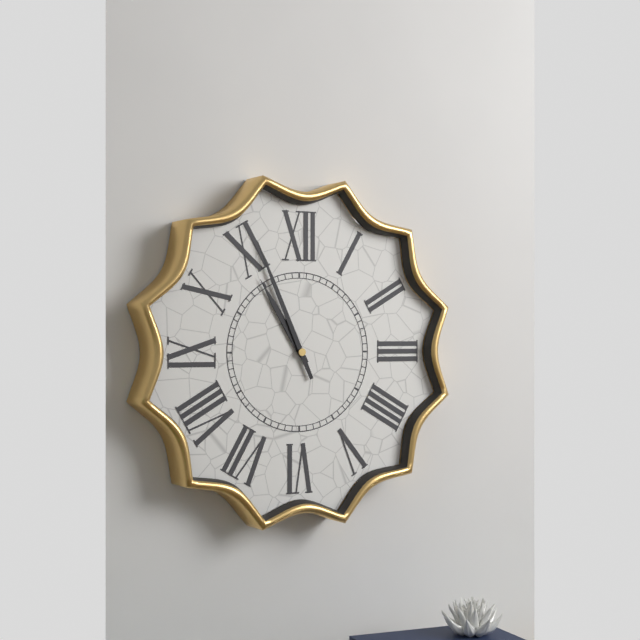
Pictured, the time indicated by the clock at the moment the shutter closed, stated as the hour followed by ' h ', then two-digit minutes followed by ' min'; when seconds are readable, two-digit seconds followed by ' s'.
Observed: 10 h 56 min
